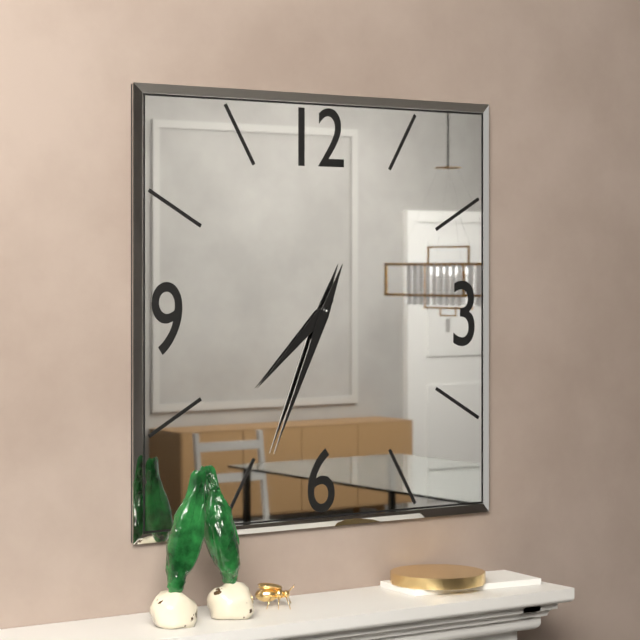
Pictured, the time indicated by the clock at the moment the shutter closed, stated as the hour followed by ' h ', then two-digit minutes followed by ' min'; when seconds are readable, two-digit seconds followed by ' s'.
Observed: 7 h 34 min
